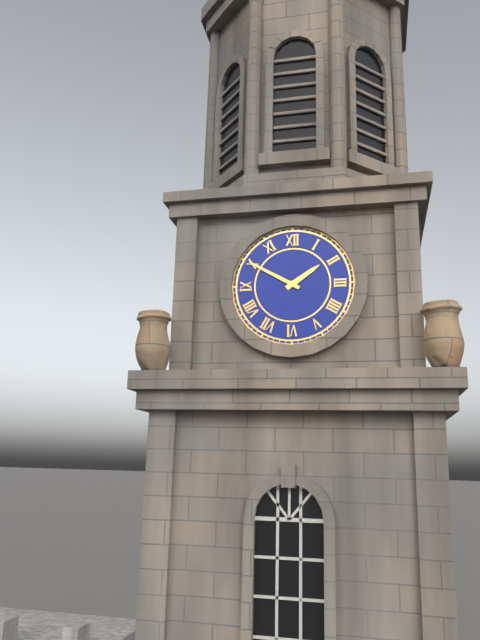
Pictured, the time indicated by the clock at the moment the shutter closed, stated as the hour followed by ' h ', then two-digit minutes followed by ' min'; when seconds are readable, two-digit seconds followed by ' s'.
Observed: 1 h 50 min
